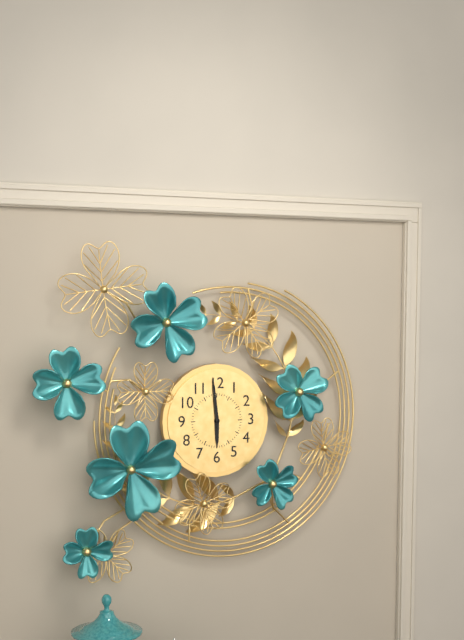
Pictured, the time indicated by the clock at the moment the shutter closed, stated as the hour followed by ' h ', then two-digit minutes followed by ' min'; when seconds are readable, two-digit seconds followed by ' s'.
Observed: 5 h 59 min
